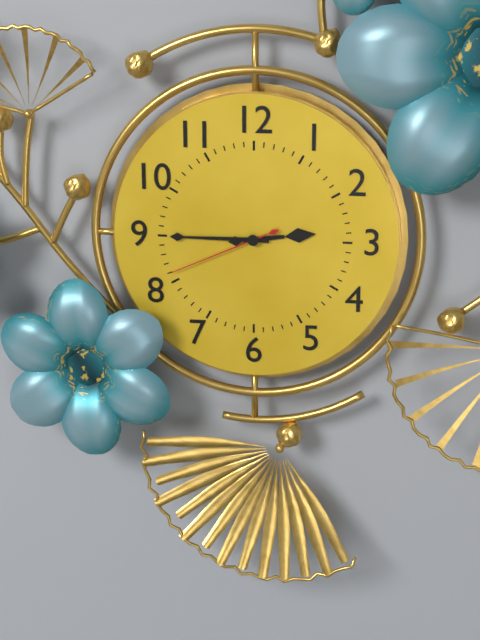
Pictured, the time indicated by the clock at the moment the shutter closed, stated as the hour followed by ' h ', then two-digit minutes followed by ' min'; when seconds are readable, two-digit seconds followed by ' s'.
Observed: 2 h 45 min 41 s
